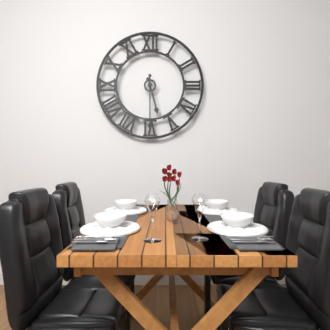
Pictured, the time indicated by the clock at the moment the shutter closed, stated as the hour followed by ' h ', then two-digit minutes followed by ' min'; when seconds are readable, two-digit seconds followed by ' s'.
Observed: 5 h 30 min
